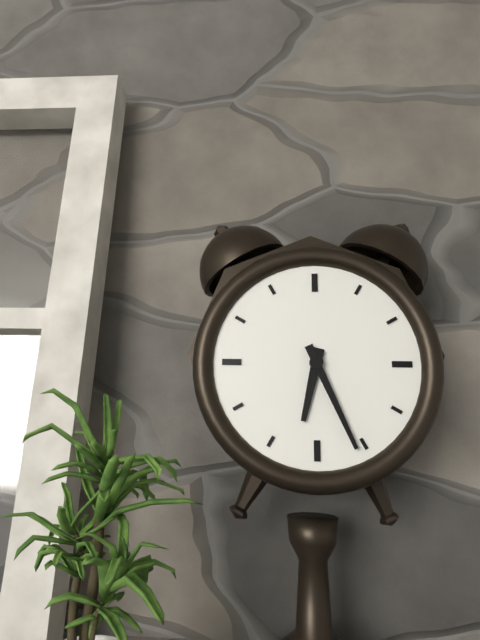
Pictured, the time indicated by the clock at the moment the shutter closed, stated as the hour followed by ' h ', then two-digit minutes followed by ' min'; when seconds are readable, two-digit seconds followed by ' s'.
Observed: 6 h 26 min
